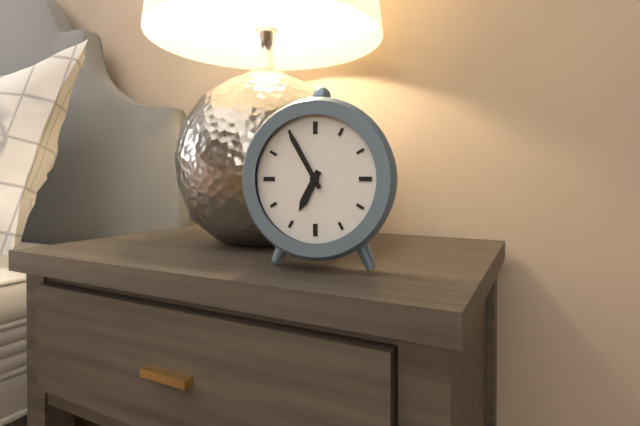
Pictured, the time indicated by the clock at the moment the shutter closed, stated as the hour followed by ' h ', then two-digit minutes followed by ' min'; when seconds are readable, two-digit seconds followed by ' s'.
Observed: 6 h 55 min
